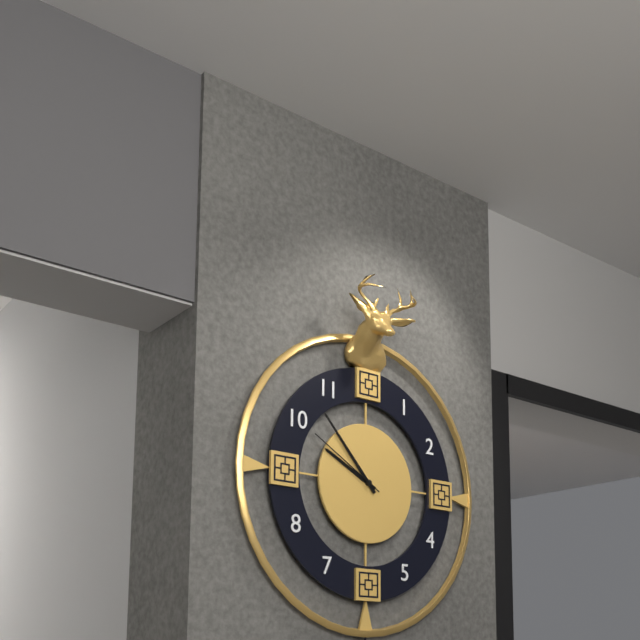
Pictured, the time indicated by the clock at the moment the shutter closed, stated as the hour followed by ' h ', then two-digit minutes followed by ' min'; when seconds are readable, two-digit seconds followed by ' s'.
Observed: 9 h 53 min 50 s
